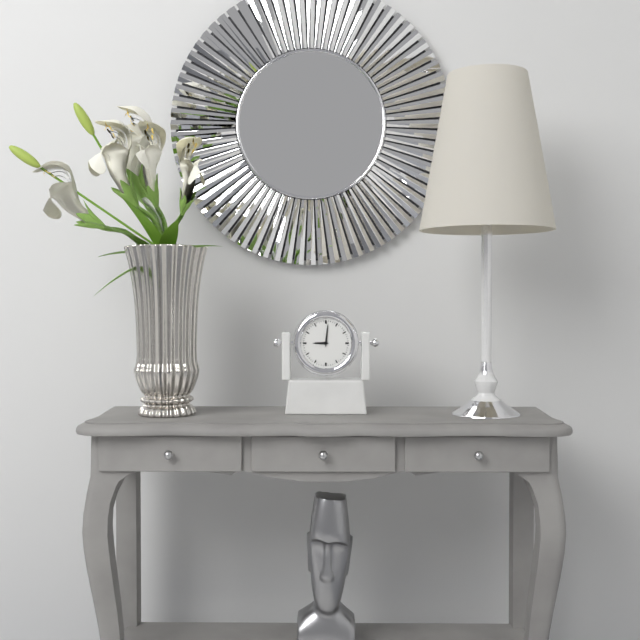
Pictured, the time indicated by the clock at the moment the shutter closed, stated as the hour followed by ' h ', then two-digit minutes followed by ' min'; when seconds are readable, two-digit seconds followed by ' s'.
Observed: 9 h 01 min
